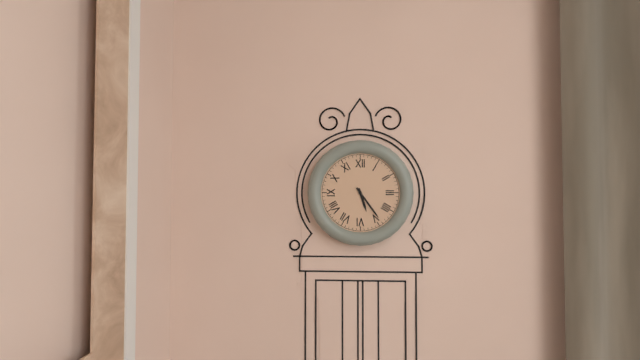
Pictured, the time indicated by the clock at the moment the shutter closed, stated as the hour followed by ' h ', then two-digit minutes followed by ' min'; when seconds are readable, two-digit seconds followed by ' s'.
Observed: 5 h 24 min
